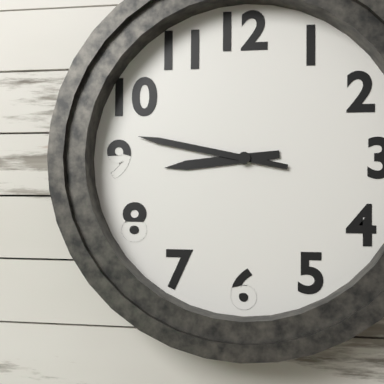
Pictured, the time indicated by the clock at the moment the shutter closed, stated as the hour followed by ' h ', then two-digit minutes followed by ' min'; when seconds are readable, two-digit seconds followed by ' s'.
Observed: 8 h 47 min
